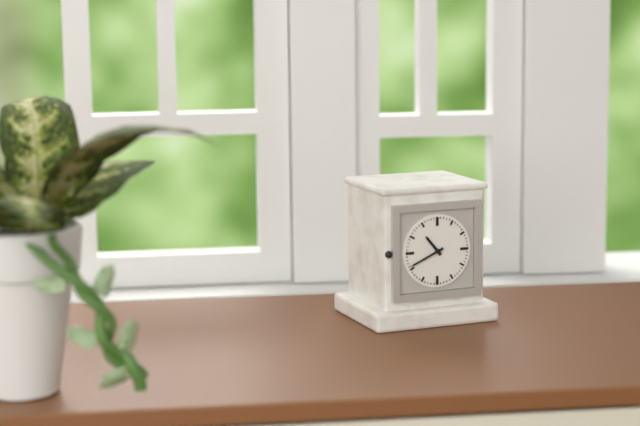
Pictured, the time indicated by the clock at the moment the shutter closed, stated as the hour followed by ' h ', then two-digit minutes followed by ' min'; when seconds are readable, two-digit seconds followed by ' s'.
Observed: 10 h 41 min
